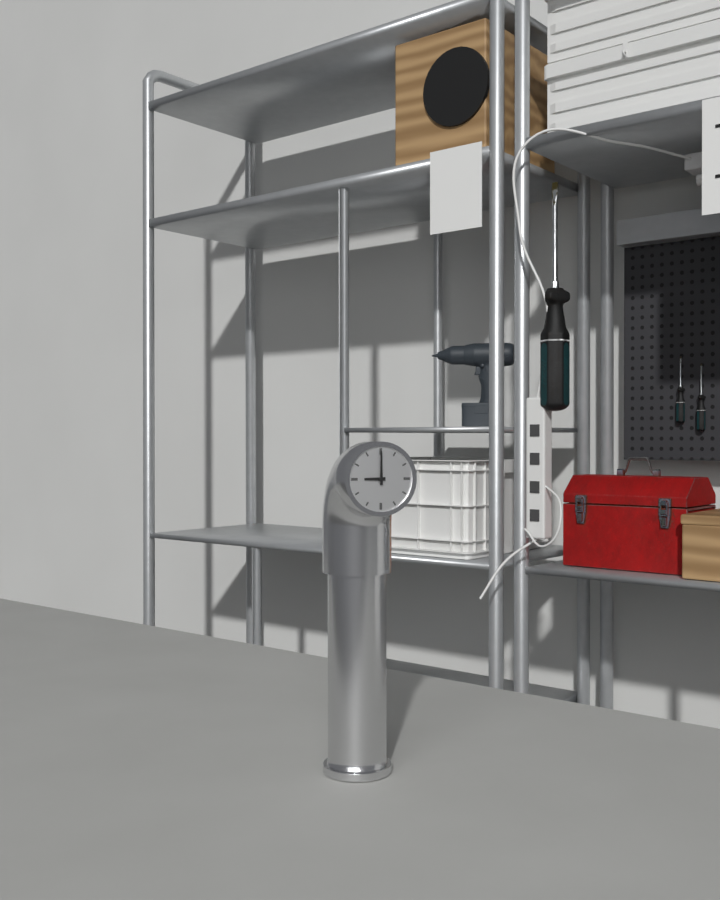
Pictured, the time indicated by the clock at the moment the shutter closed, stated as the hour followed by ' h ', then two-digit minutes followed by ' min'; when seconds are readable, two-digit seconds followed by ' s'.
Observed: 9 h 00 min
